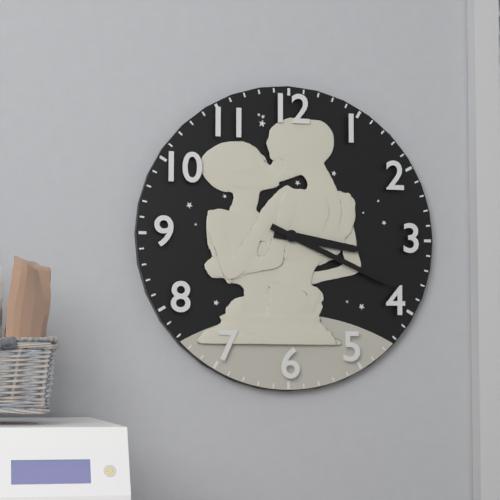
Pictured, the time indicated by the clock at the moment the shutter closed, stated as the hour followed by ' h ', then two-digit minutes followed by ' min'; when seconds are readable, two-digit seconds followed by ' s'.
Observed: 3 h 19 min
